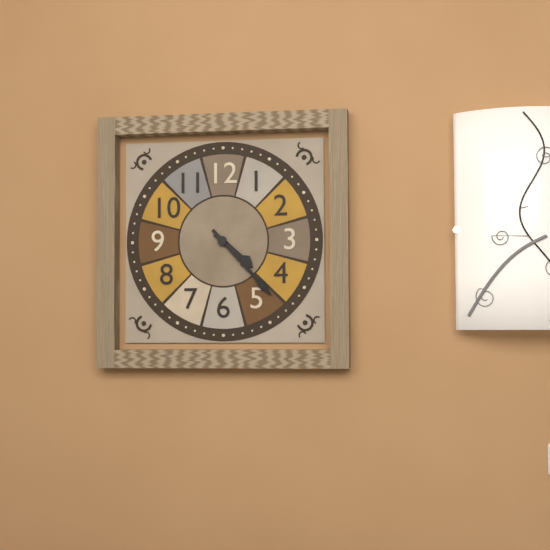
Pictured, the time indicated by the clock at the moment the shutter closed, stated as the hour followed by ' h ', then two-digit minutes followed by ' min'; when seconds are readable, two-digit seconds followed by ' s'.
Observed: 4 h 23 min
